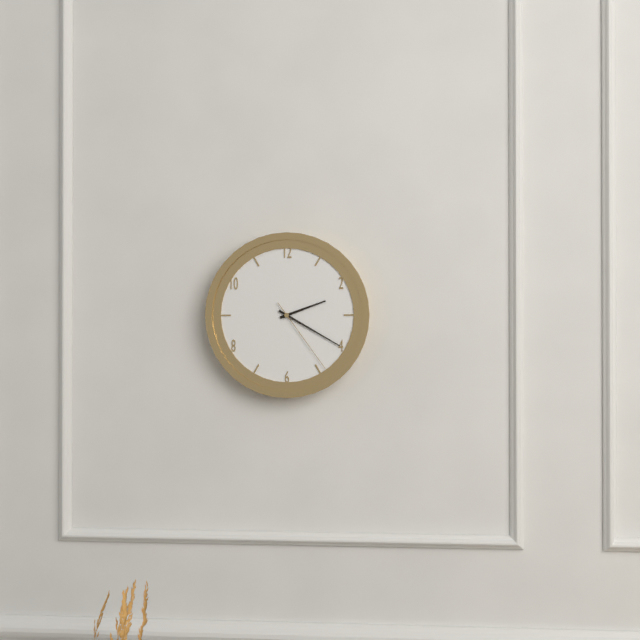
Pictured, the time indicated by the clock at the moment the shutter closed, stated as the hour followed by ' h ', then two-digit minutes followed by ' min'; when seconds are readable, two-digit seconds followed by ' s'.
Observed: 2 h 20 min 24 s
